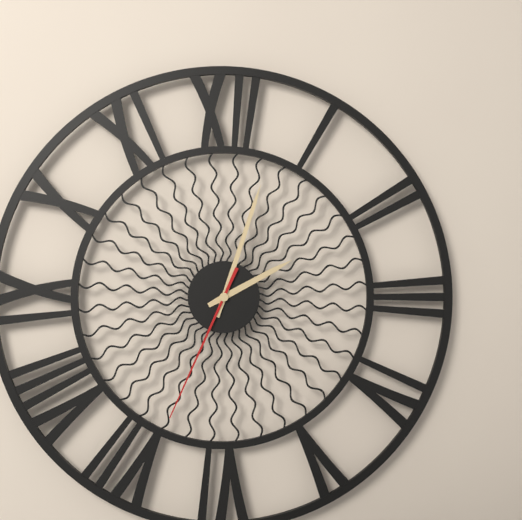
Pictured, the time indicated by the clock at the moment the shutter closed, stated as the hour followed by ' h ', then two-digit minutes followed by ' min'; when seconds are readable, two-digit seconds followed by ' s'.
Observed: 2 h 03 min 34 s
